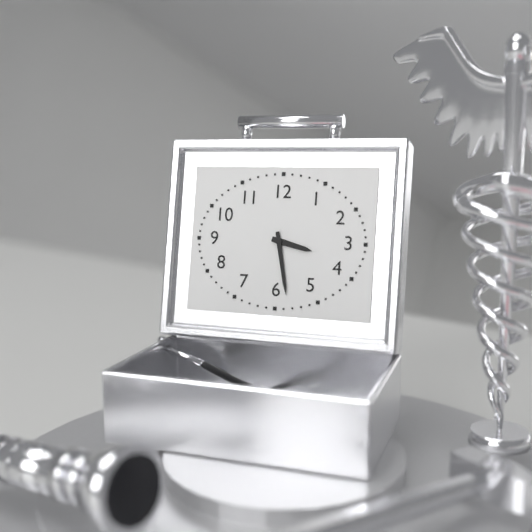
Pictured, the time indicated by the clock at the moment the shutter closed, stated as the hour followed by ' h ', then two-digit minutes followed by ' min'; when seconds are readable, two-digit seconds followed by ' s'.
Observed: 3 h 28 min
